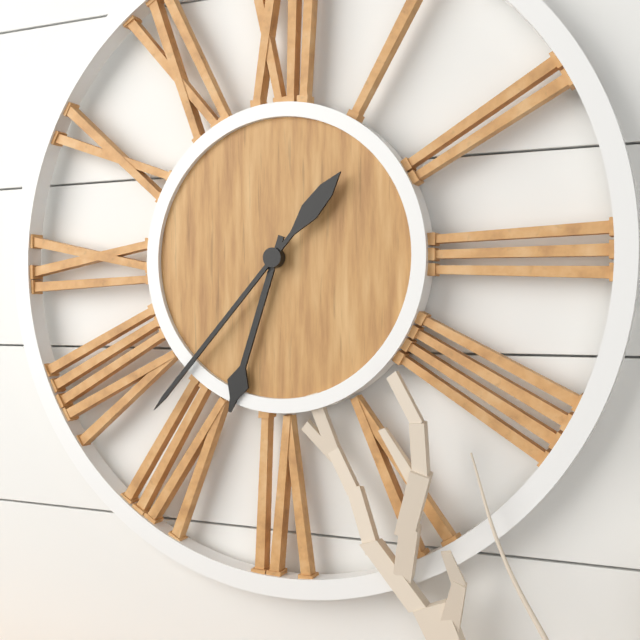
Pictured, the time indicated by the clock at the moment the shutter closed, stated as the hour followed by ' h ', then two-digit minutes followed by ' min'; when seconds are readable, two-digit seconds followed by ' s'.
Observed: 6 h 37 min
